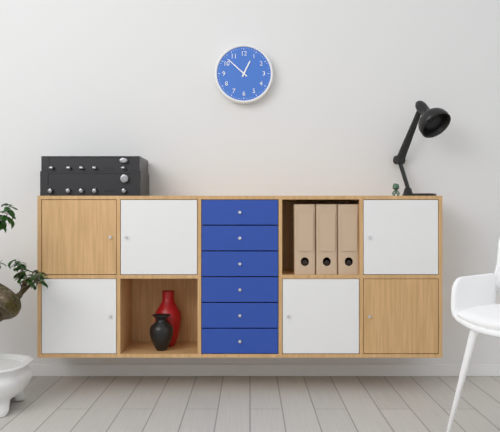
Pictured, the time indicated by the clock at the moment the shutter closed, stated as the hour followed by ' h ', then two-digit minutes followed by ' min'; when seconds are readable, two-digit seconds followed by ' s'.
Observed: 12 h 52 min
